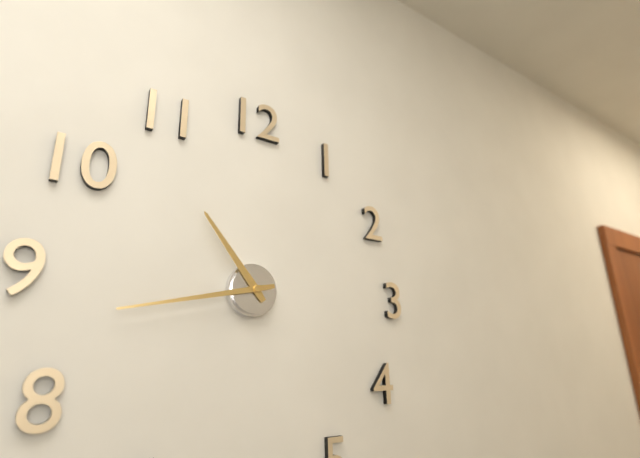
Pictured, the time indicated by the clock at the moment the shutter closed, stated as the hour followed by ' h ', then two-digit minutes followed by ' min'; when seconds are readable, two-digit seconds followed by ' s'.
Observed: 10 h 43 min
